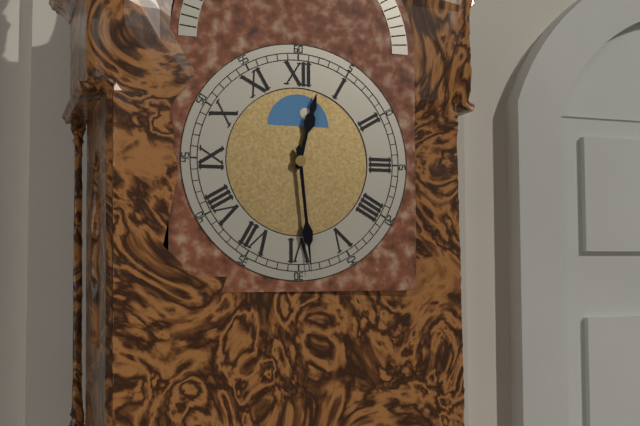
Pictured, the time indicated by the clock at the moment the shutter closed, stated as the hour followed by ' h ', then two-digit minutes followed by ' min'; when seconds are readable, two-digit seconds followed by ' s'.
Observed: 12 h 29 min
